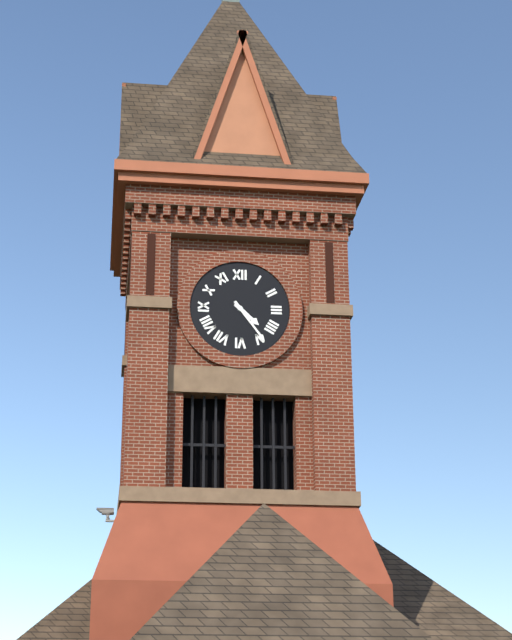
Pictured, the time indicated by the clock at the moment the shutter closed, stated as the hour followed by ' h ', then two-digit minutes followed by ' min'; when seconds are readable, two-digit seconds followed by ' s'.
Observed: 4 h 24 min
